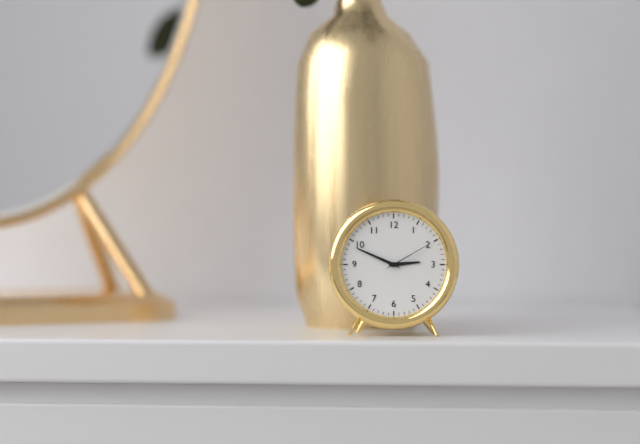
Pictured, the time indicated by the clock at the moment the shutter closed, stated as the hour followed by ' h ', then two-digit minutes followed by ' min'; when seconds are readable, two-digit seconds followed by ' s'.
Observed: 2 h 49 min 10 s
